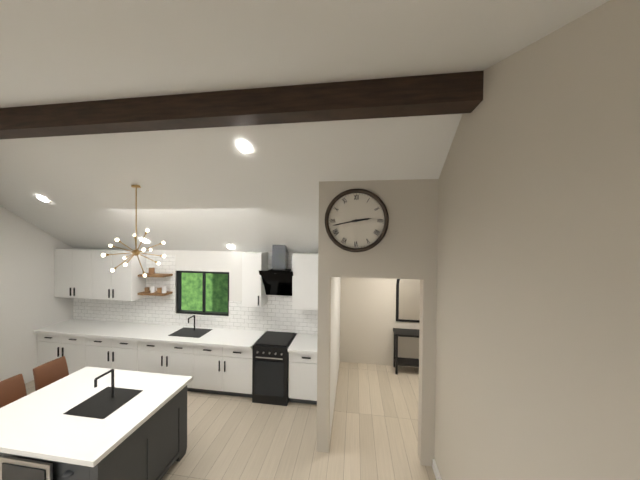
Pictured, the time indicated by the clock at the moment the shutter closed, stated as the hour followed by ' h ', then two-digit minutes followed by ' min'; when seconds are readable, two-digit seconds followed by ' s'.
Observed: 2 h 43 min
